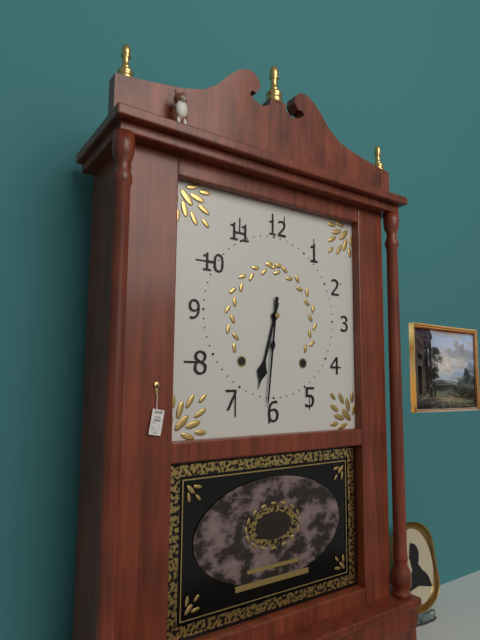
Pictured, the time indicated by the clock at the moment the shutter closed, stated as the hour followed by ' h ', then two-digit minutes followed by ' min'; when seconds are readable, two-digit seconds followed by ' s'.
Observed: 6 h 31 min
